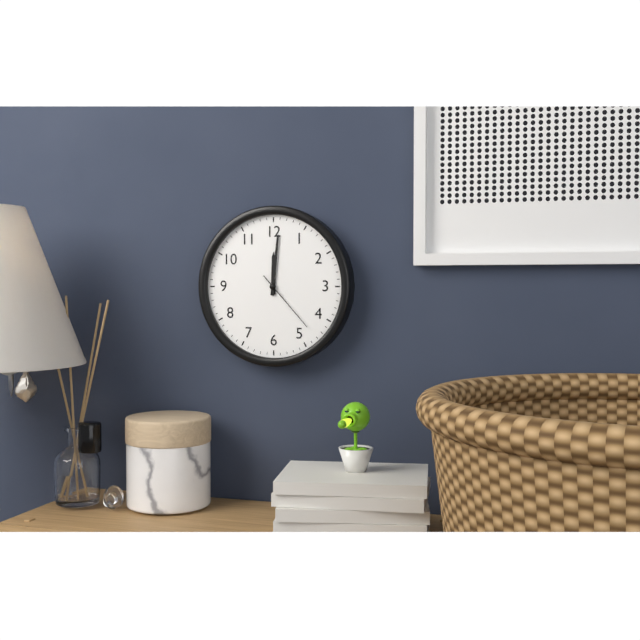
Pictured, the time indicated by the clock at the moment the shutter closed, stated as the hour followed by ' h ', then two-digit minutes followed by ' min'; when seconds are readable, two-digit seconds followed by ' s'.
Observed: 12 h 01 min 23 s
